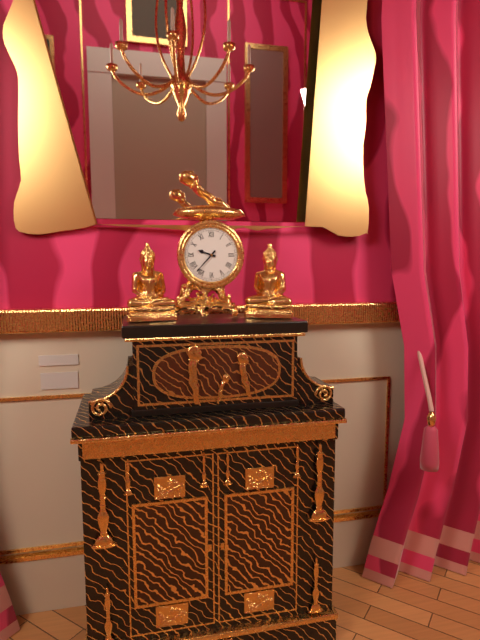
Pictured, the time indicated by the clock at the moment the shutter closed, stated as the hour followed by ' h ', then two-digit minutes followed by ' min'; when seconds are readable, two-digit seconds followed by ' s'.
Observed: 9 h 37 min
